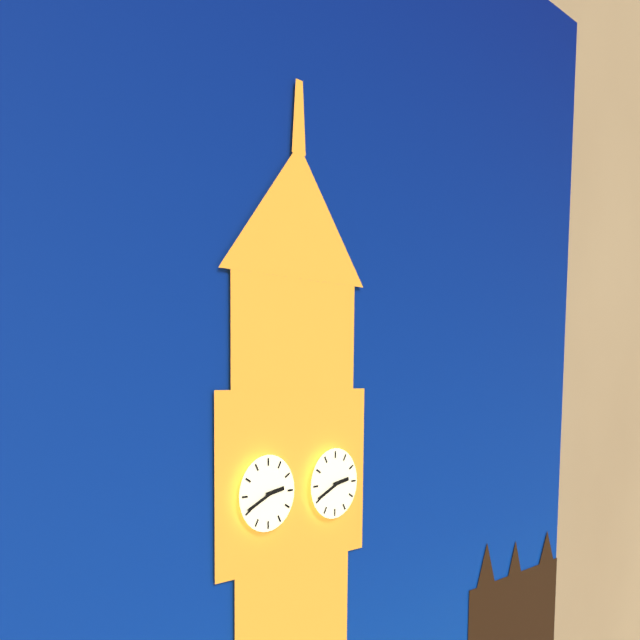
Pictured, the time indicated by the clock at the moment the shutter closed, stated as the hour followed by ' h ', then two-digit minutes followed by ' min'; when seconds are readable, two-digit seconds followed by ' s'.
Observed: 2 h 41 min
